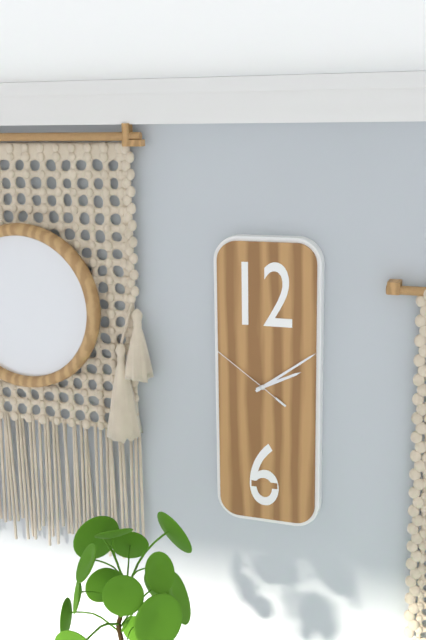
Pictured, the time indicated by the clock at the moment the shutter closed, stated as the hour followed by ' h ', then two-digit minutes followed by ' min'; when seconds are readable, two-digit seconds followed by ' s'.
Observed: 2 h 09 min 51 s
